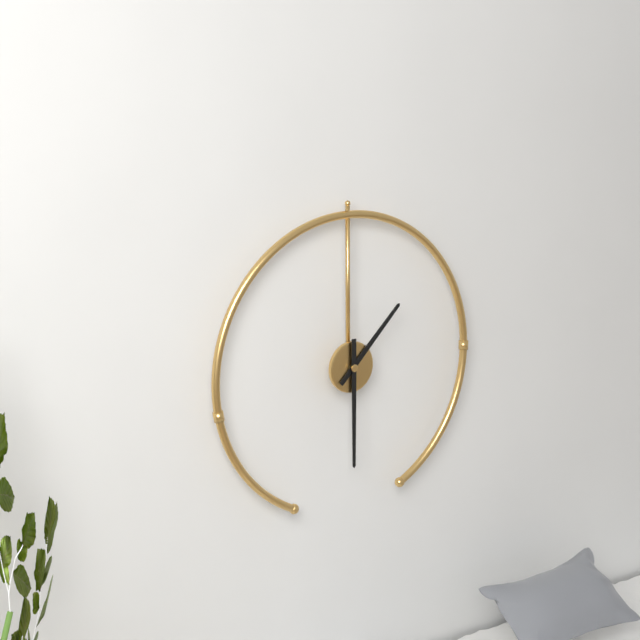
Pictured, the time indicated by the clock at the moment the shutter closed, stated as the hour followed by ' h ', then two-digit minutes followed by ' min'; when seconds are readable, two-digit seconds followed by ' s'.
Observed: 1 h 30 min
